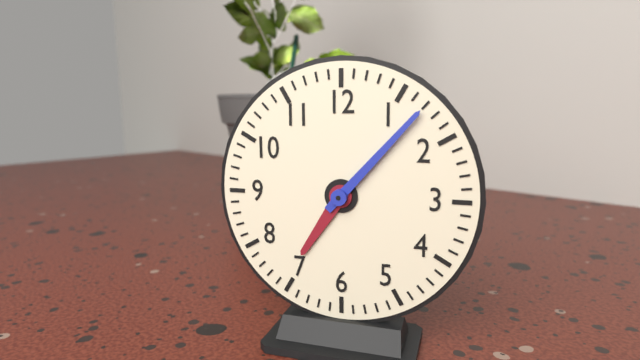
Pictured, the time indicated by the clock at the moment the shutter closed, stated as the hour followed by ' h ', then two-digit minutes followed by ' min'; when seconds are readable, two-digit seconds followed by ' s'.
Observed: 7 h 07 min
